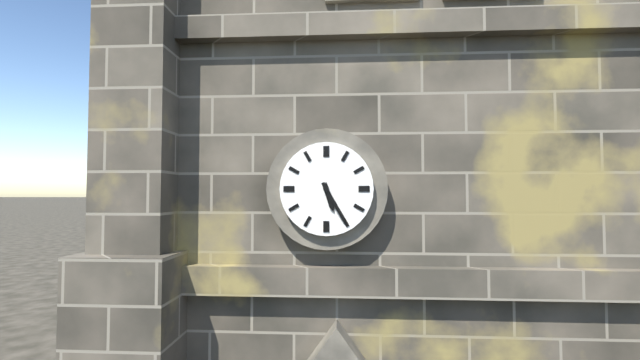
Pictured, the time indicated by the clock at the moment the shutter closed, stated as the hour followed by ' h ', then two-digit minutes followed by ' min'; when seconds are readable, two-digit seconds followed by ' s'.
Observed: 5 h 25 min
